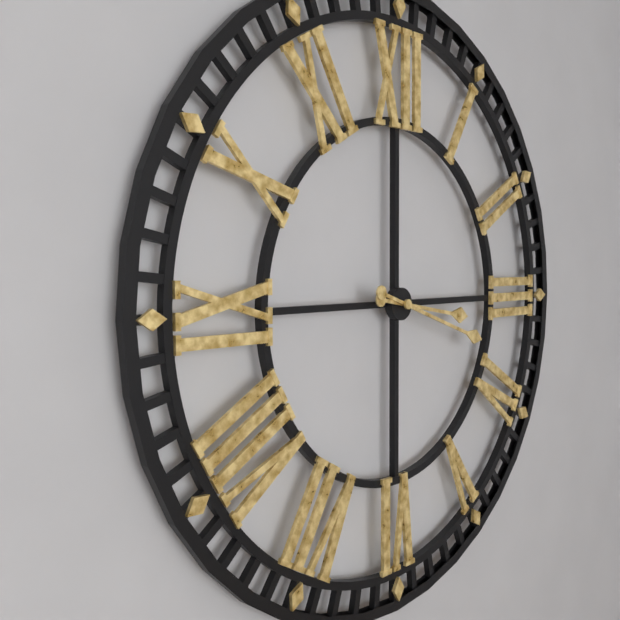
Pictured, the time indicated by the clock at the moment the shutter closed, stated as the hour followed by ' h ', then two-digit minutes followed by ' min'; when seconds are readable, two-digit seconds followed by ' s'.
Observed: 3 h 18 min
